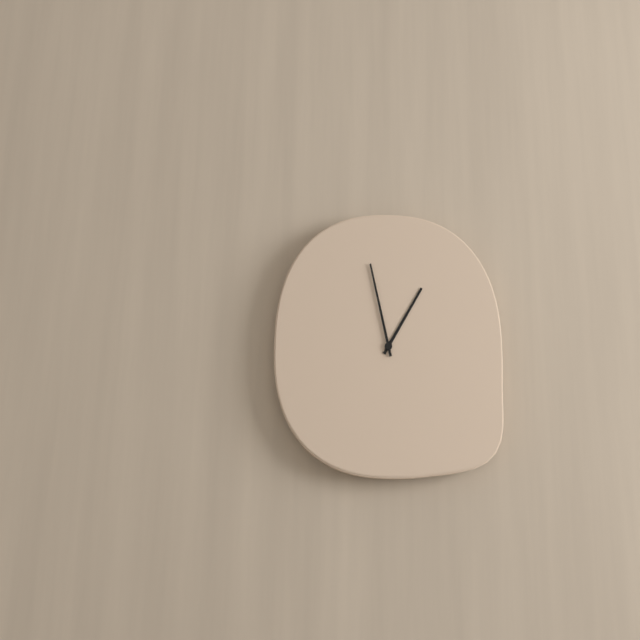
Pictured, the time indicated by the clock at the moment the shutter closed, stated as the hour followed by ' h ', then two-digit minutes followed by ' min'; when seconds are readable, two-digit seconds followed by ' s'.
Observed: 12 h 58 min
